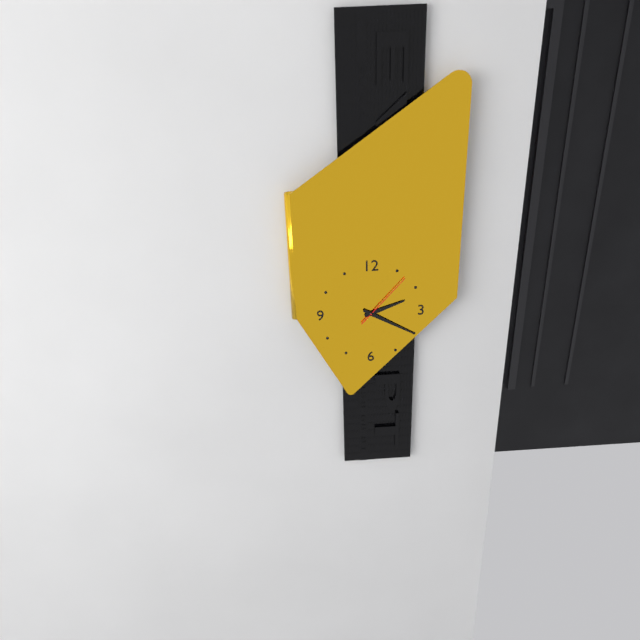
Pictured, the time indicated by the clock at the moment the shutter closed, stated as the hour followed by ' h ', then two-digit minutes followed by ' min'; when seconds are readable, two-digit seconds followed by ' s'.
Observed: 2 h 20 min 07 s
